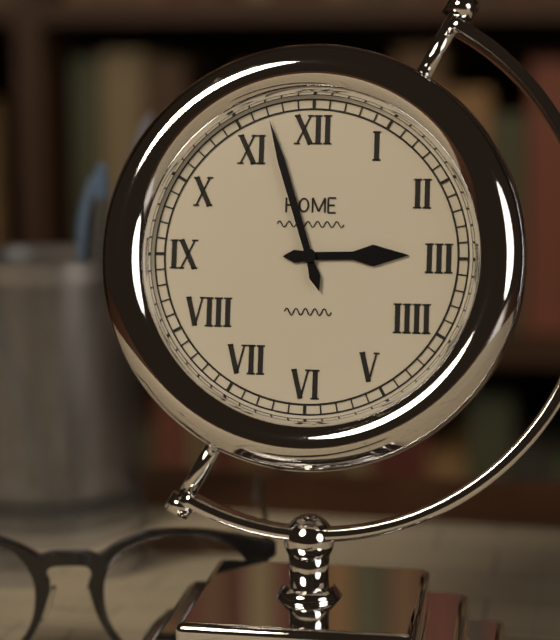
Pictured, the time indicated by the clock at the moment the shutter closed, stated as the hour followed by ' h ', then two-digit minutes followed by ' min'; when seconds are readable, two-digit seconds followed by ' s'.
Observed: 2 h 57 min
